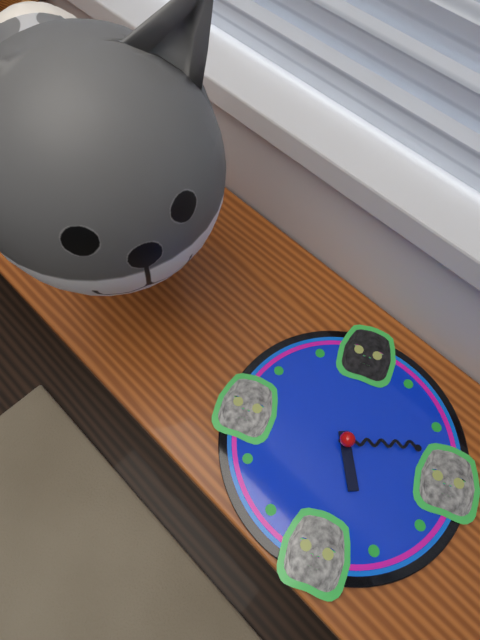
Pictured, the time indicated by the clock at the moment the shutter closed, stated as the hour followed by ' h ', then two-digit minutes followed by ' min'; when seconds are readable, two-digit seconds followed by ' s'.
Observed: 5 h 12 min
